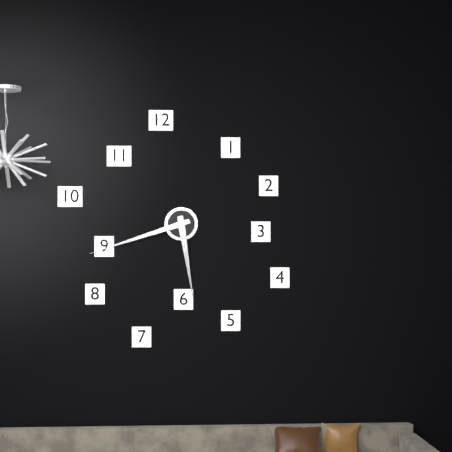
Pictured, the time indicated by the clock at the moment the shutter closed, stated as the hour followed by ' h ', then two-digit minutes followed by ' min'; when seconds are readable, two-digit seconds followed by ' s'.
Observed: 5 h 42 min
